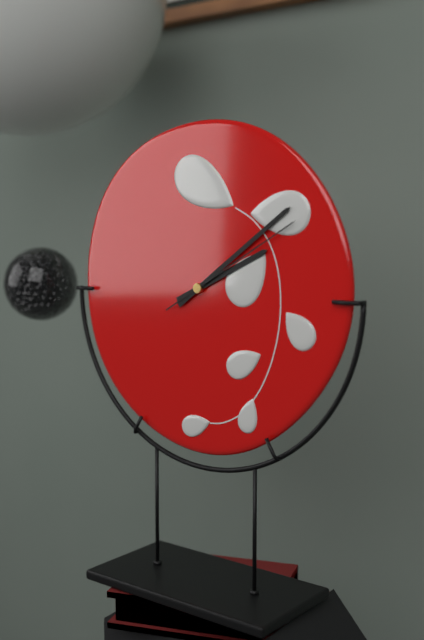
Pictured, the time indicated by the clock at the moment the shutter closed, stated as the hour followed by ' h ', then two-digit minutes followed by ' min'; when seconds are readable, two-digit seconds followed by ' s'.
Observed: 2 h 09 min 10 s
